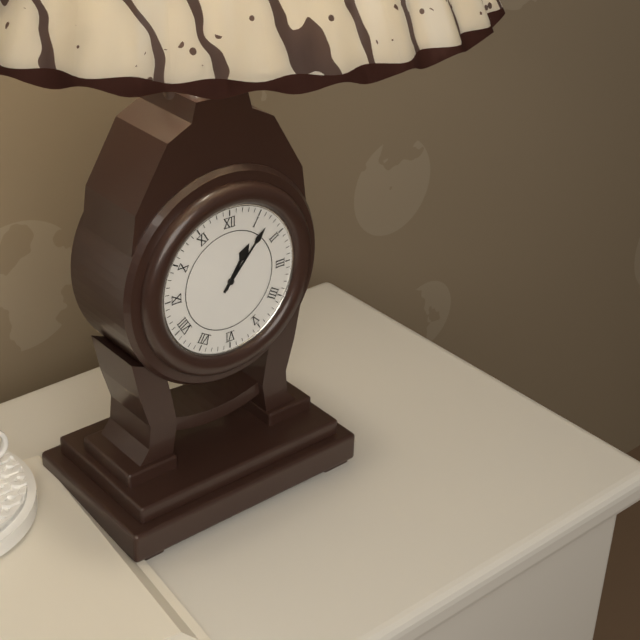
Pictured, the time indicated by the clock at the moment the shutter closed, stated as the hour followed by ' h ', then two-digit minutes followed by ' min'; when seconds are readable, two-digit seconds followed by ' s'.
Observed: 1 h 07 min
